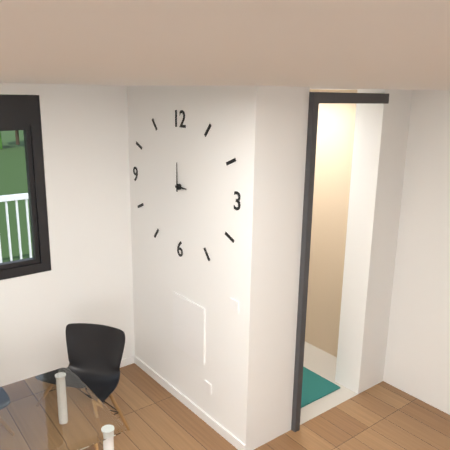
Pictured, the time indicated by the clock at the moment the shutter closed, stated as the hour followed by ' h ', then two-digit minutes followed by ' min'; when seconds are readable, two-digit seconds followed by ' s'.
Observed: 3 h 00 min
